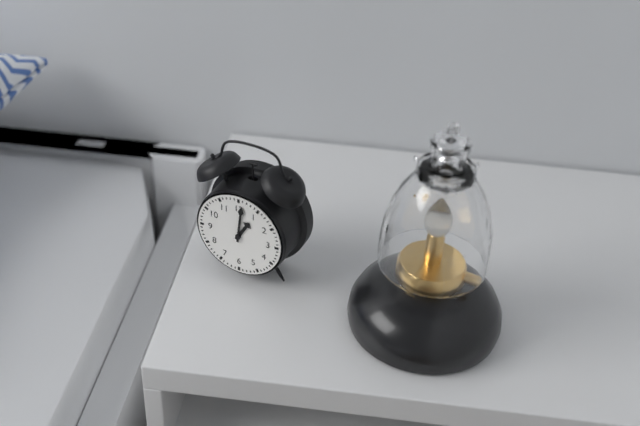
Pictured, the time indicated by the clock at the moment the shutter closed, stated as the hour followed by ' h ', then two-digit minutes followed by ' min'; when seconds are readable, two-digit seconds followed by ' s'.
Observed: 1 h 01 min
